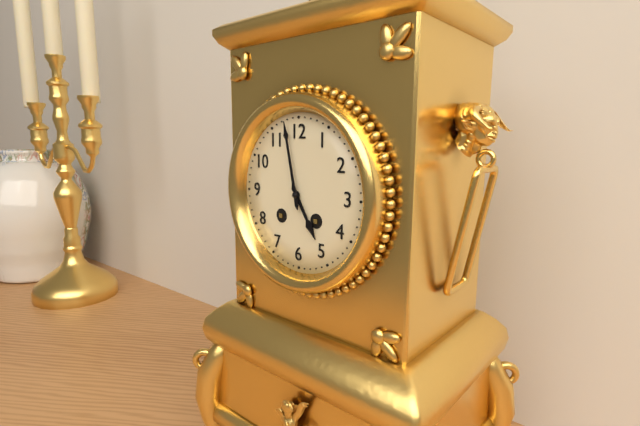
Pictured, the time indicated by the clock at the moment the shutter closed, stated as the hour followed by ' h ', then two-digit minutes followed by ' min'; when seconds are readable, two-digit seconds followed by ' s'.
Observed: 4 h 58 min
